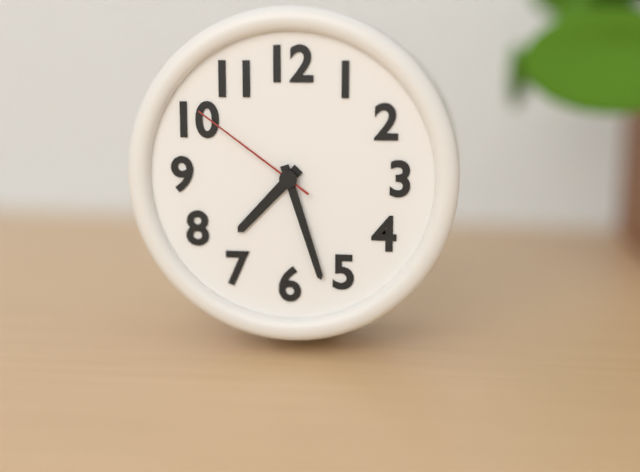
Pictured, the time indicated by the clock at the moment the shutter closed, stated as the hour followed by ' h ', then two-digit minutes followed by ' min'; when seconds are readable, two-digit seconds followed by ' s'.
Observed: 7 h 27 min 51 s
